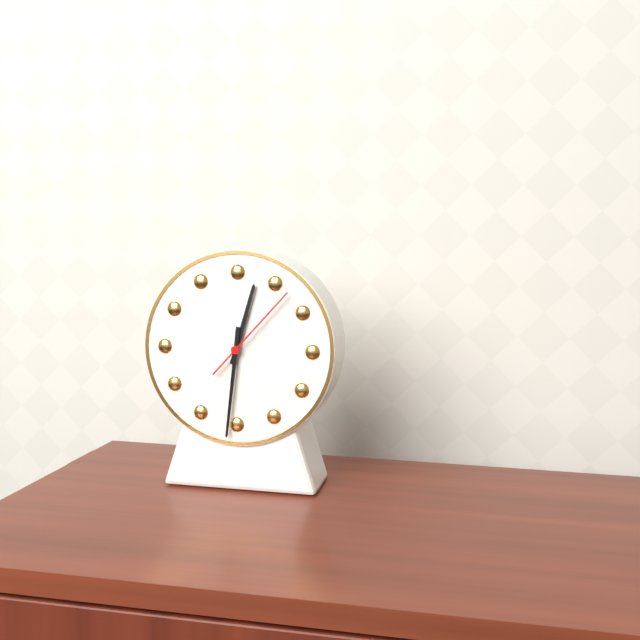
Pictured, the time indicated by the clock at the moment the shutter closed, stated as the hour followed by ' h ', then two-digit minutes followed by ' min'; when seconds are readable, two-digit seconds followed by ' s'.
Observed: 12 h 31 min 07 s
